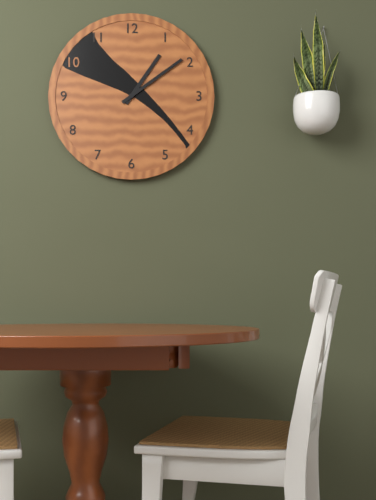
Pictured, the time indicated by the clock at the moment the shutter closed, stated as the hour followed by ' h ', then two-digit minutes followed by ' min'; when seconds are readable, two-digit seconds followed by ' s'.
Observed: 1 h 09 min
